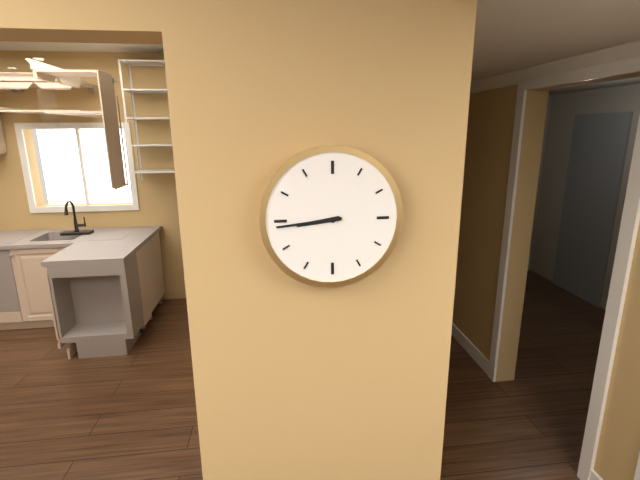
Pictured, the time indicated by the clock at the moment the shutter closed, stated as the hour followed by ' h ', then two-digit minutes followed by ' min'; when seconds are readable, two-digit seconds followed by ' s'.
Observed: 8 h 44 min
